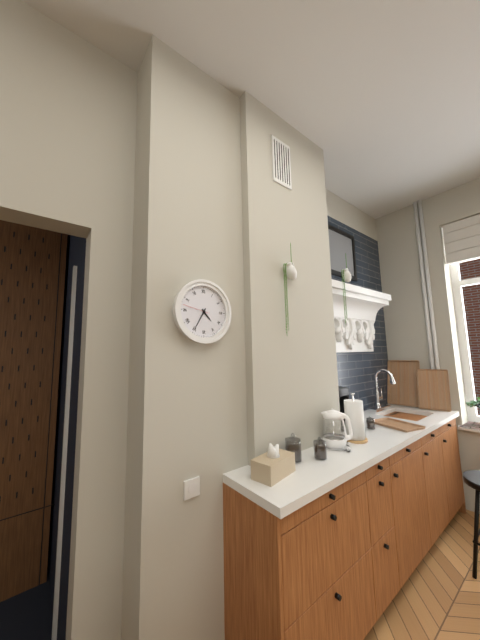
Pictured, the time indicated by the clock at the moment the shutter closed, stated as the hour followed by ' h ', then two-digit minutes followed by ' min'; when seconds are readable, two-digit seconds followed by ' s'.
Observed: 4 h 35 min
